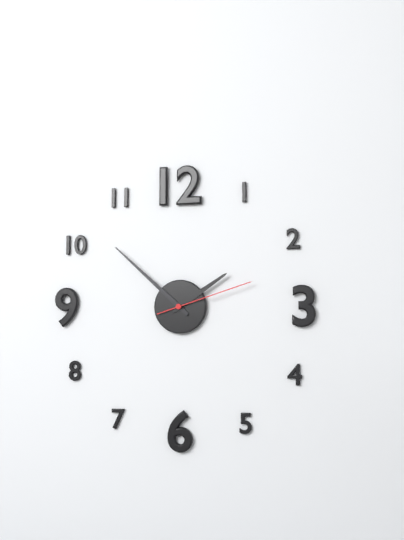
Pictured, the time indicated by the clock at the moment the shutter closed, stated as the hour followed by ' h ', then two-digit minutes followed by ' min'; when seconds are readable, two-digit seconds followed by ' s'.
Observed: 1 h 52 min 12 s
